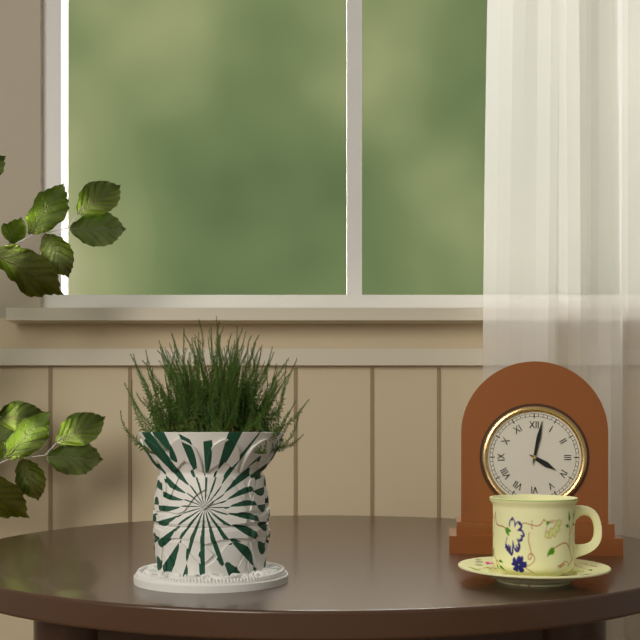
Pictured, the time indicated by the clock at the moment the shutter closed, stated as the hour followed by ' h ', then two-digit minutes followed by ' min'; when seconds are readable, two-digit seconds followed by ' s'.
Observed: 4 h 02 min
